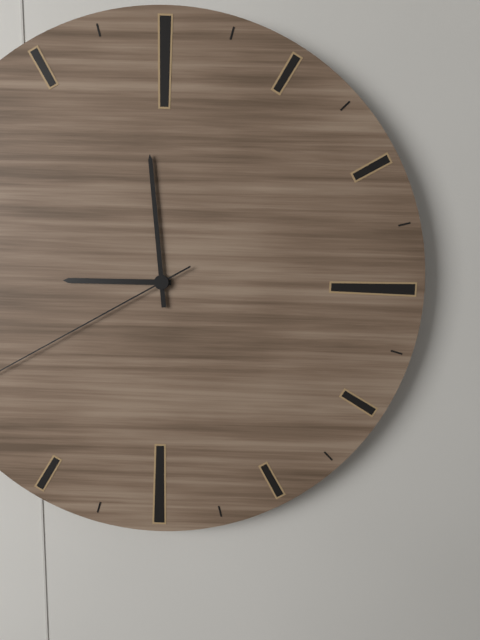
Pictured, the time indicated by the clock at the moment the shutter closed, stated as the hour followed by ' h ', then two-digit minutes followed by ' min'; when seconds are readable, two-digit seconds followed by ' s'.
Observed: 8 h 59 min
